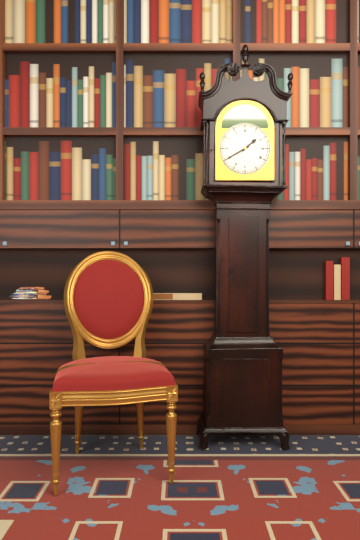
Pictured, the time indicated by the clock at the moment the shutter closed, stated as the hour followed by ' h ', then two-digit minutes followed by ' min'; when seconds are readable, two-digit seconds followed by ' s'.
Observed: 1 h 40 min
